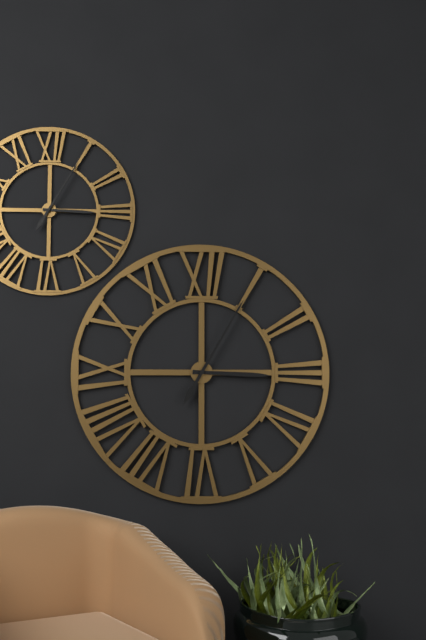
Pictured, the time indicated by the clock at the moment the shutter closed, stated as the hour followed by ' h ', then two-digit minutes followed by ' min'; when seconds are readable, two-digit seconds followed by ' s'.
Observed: 3 h 05 min
